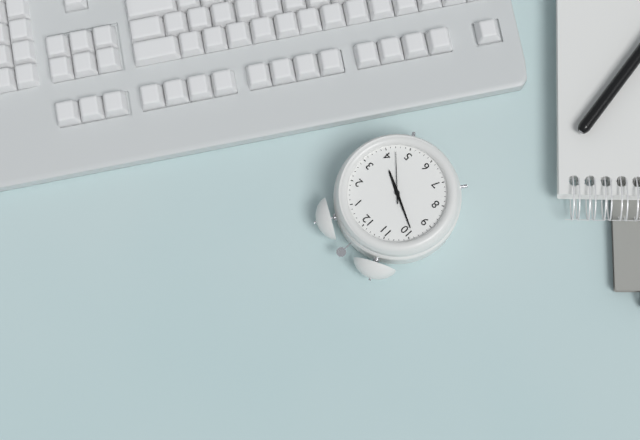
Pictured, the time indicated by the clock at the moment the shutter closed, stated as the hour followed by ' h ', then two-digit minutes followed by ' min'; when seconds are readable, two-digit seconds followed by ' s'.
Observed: 3 h 49 min 22 s
